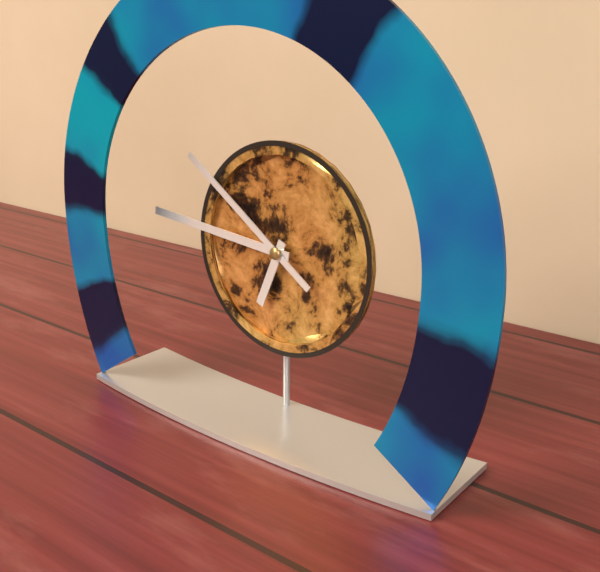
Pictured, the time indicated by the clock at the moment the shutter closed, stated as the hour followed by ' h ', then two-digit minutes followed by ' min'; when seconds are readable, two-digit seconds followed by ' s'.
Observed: 6 h 46 min 51 s
